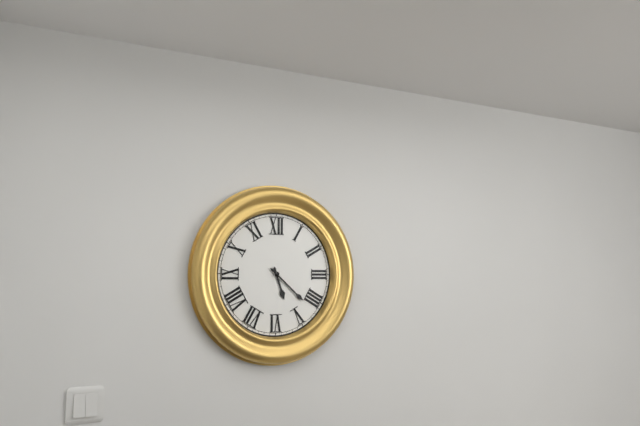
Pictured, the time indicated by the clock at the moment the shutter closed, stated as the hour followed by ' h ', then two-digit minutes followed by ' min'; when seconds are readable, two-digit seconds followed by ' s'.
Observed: 5 h 22 min
